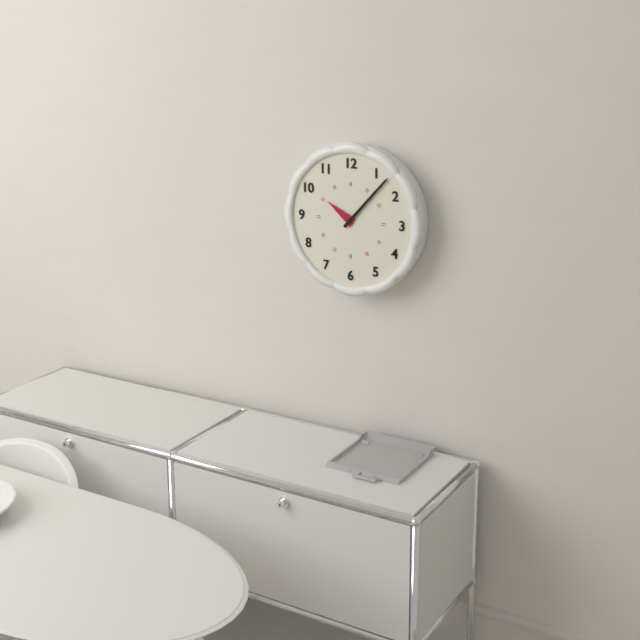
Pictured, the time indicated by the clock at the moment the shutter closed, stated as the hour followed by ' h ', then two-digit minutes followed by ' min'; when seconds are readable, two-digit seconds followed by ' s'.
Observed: 10 h 07 min
